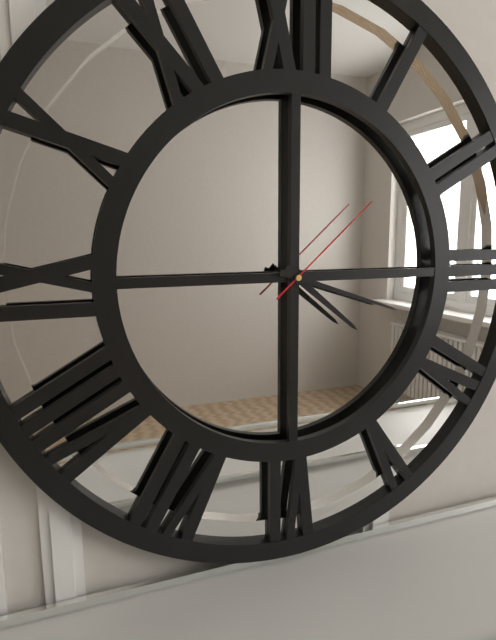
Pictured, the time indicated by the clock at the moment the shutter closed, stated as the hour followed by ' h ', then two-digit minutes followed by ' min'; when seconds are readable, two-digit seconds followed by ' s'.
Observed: 4 h 18 min 08 s
